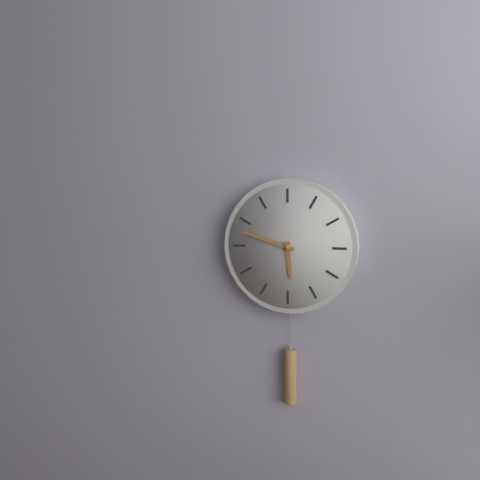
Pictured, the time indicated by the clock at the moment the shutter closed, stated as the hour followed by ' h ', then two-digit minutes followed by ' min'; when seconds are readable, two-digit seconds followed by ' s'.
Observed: 5 h 48 min
